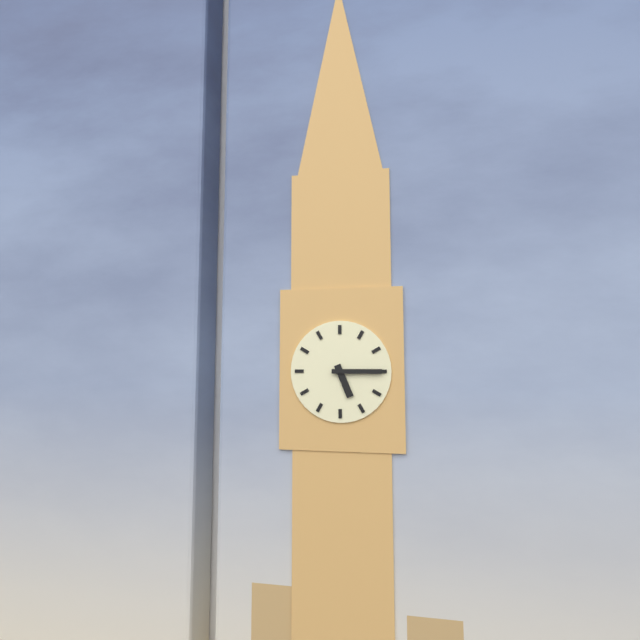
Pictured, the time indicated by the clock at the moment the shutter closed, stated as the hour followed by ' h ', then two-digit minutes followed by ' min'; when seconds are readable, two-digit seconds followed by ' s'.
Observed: 5 h 15 min
